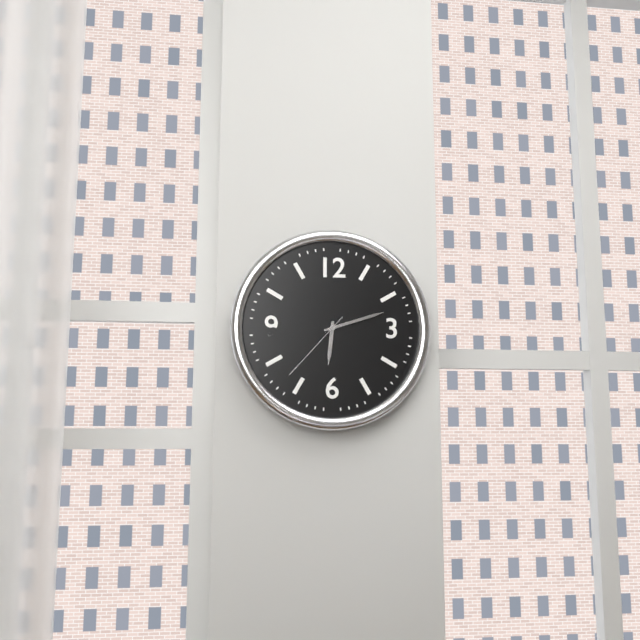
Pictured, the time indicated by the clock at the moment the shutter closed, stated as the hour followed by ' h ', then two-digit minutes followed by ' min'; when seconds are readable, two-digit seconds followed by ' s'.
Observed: 6 h 12 min 37 s
